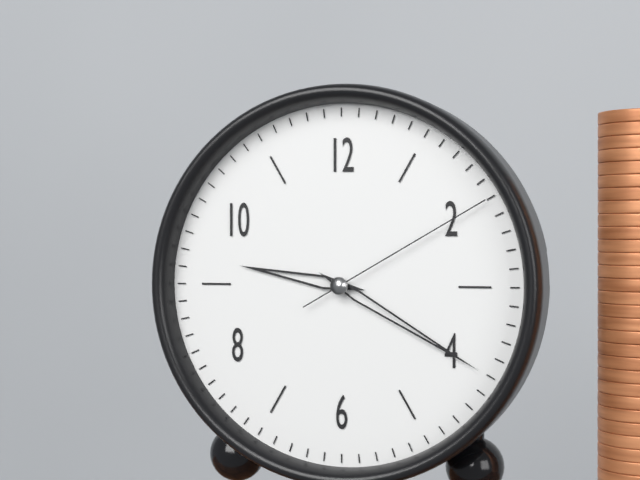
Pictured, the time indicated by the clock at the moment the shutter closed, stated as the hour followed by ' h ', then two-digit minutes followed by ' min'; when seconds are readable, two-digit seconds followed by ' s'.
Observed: 9 h 20 min 10 s
